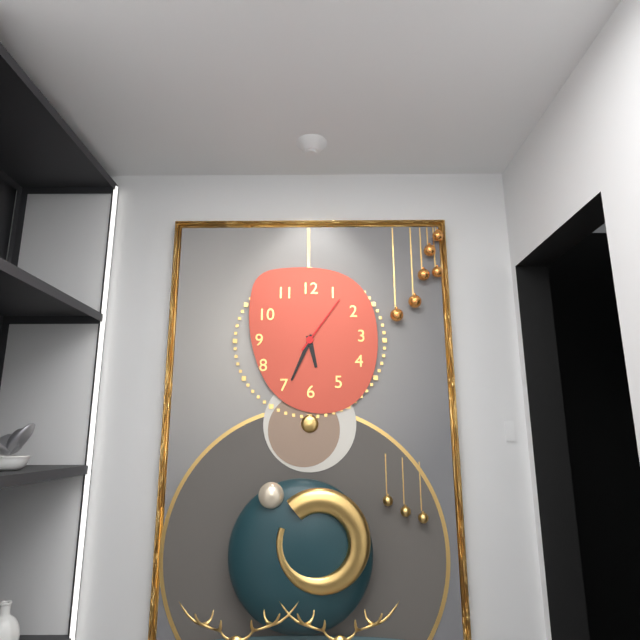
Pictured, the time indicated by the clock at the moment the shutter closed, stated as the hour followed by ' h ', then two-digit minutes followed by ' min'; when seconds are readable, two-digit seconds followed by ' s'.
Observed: 5 h 34 min 06 s
